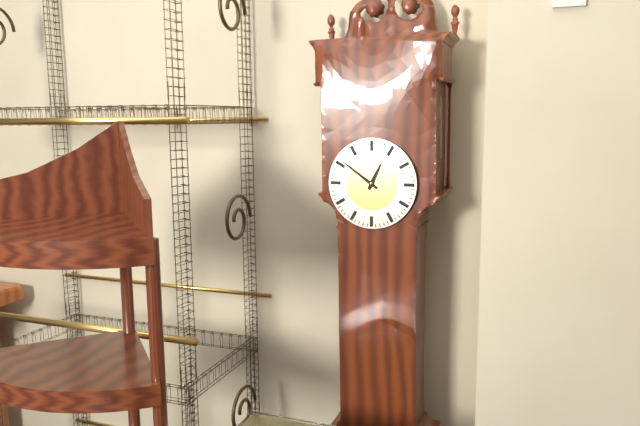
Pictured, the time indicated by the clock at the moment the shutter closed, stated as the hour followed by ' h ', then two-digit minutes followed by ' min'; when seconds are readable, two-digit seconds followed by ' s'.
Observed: 12 h 51 min
